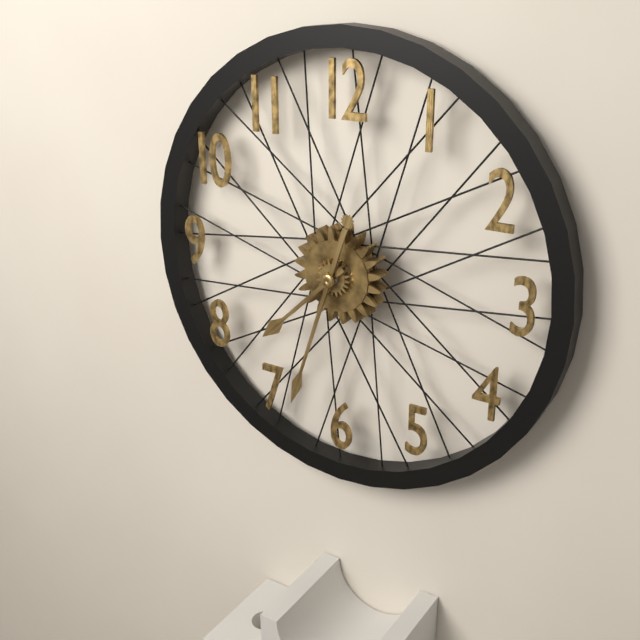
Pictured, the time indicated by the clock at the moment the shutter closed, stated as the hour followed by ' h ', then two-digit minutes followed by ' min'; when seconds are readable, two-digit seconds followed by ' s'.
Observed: 7 h 33 min
